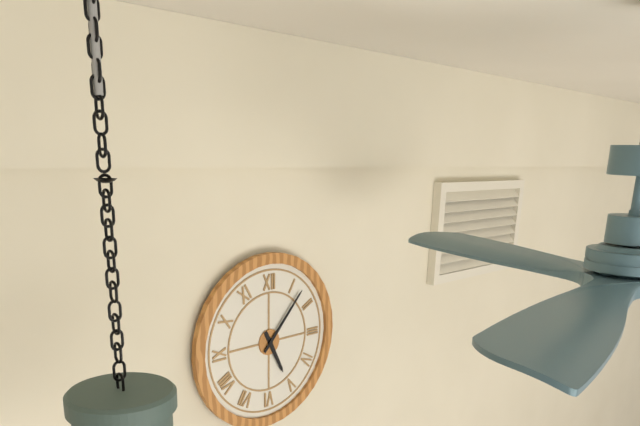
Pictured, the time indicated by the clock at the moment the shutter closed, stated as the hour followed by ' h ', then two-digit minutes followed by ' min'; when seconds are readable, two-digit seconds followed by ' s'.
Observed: 5 h 07 min
